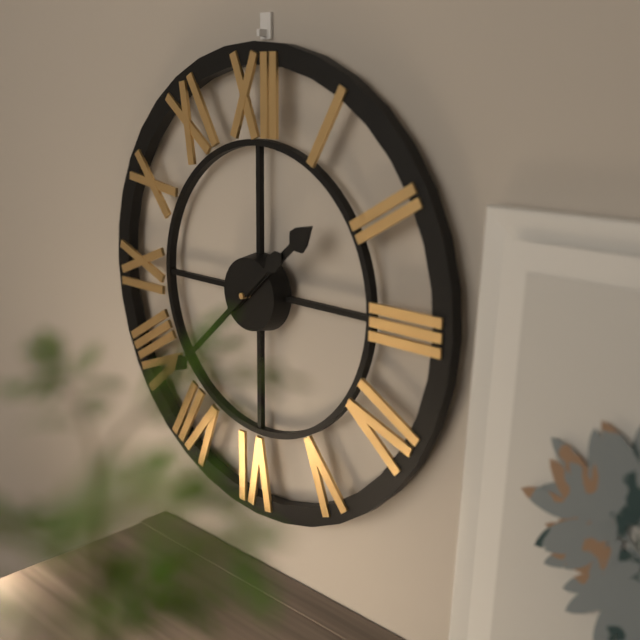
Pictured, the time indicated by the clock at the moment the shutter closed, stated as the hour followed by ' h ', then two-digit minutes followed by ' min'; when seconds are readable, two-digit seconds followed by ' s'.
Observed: 1 h 38 min
